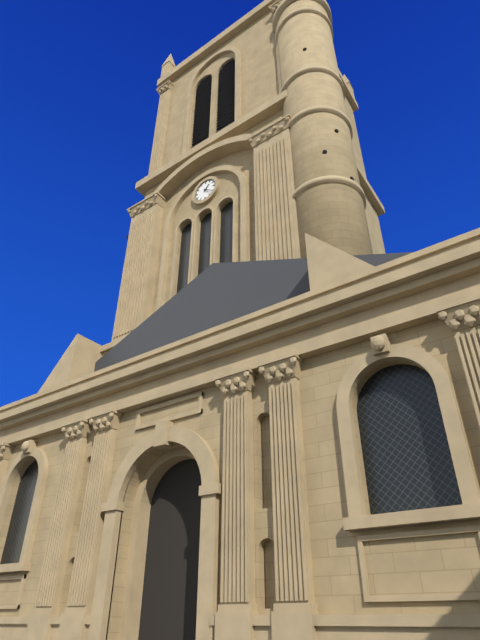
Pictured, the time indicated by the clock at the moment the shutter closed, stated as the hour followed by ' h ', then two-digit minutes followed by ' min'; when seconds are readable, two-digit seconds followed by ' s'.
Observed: 1 h 21 min
